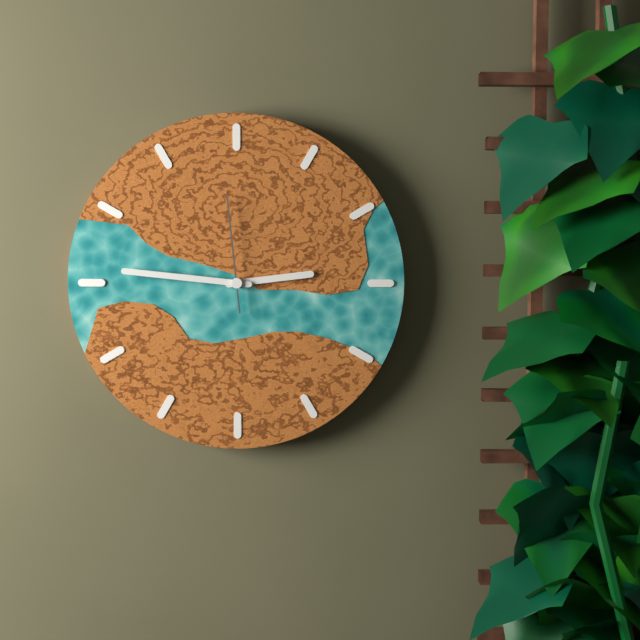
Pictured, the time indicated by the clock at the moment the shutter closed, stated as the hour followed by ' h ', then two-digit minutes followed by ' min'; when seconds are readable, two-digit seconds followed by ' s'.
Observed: 2 h 46 min 59 s
